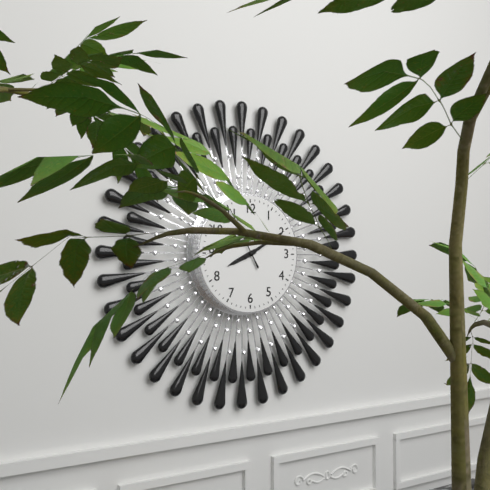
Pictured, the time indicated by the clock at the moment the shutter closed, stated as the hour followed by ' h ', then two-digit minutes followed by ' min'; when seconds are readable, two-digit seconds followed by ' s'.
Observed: 8 h 10 min
